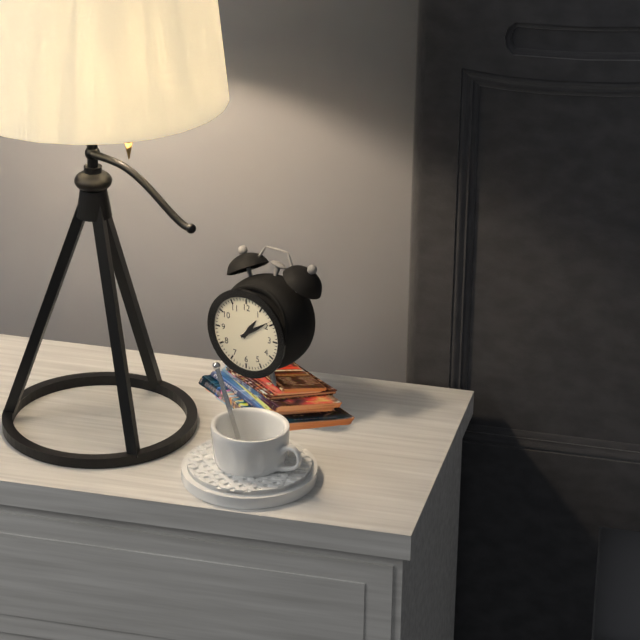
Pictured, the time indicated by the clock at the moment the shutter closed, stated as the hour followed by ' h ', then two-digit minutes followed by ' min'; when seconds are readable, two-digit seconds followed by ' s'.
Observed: 1 h 09 min
